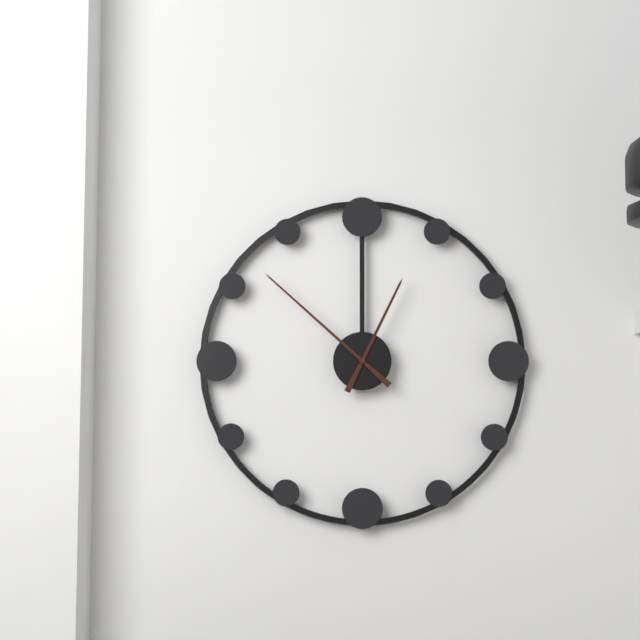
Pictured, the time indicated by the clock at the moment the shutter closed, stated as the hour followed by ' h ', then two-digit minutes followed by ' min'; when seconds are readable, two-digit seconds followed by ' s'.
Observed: 12 h 52 min
